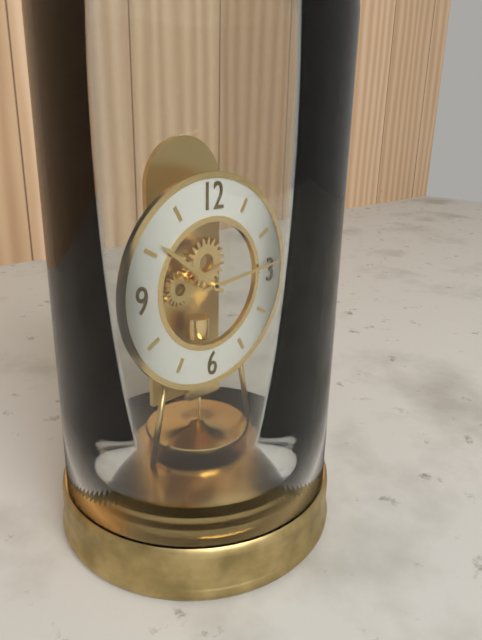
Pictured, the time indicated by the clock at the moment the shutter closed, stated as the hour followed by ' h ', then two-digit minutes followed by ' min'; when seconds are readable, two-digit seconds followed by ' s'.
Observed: 10 h 14 min
